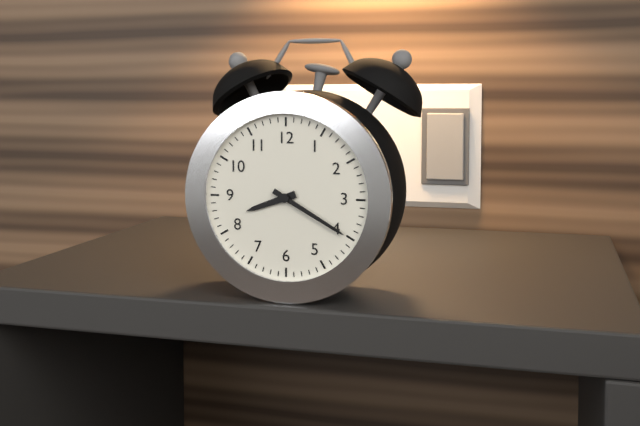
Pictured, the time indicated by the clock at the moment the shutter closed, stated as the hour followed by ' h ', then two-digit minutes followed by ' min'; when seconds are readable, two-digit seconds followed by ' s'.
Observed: 8 h 20 min
